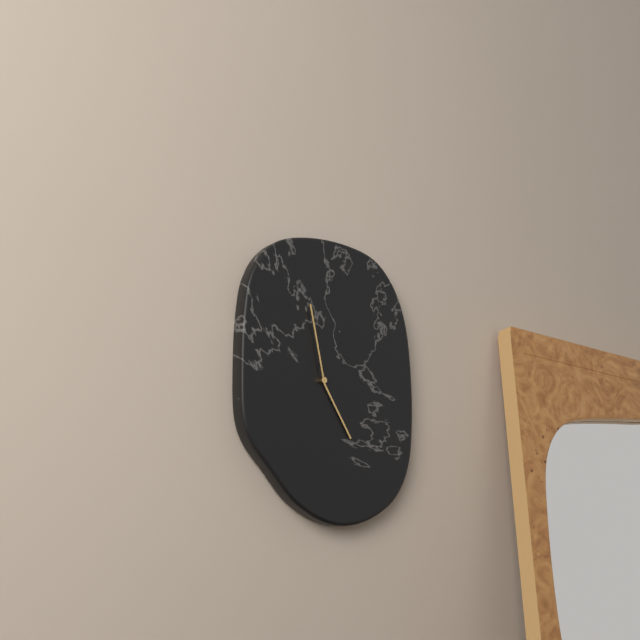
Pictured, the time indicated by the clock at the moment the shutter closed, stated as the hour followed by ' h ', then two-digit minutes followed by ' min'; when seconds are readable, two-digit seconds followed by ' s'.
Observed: 4 h 58 min
